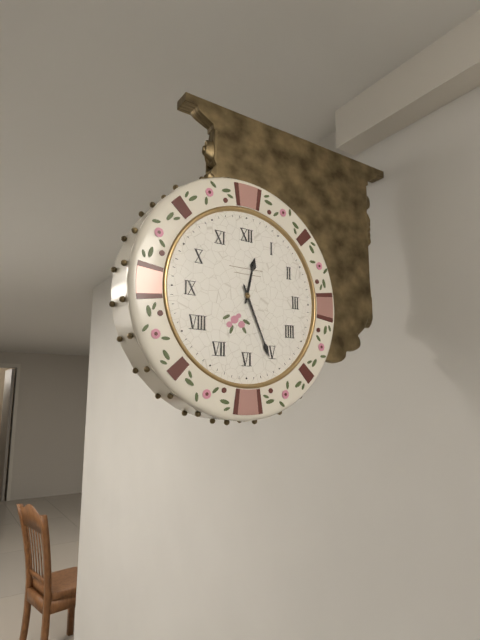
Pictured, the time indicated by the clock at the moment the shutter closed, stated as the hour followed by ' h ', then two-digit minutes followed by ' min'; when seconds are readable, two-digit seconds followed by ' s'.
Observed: 12 h 26 min
